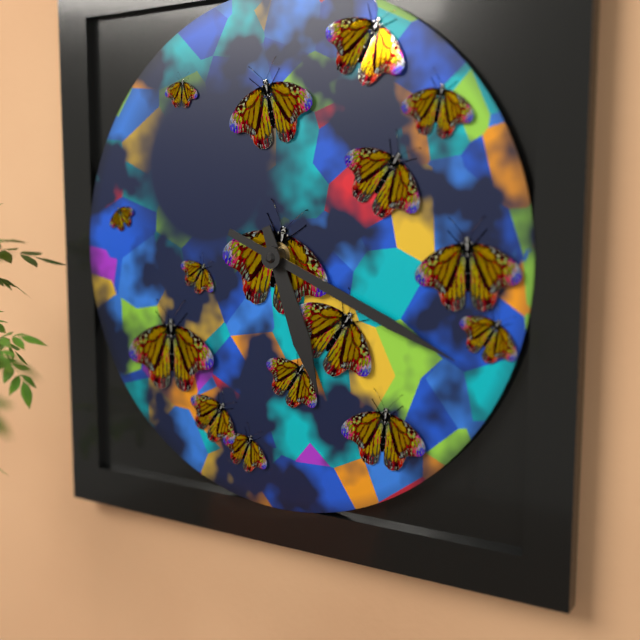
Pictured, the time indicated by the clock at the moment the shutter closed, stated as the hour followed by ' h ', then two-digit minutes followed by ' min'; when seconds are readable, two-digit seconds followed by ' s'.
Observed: 5 h 19 min
